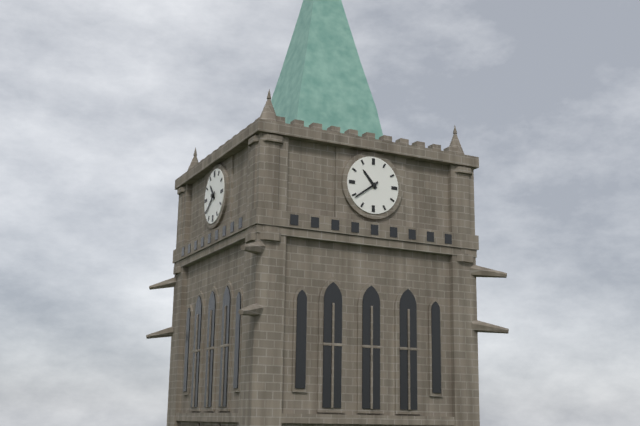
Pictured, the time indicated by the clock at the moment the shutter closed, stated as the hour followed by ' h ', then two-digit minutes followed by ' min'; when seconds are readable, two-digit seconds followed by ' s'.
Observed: 10 h 39 min
